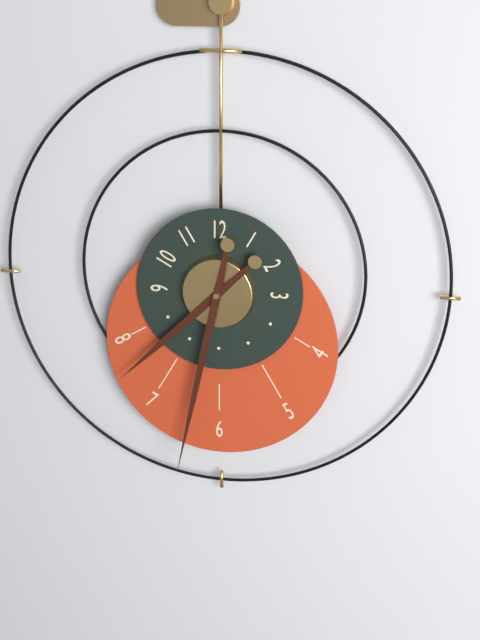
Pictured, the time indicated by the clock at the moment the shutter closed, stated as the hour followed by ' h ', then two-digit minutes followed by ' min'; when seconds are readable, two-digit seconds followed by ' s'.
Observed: 7 h 32 min
